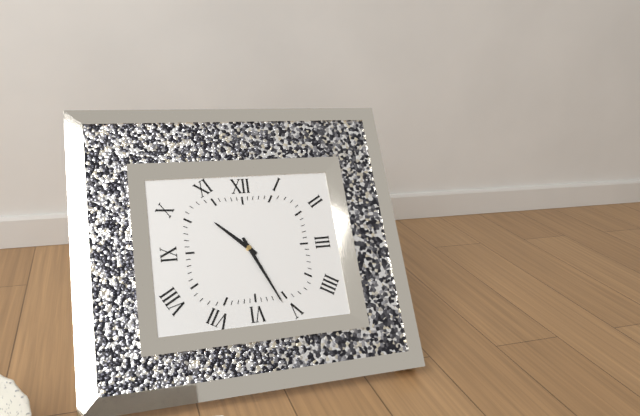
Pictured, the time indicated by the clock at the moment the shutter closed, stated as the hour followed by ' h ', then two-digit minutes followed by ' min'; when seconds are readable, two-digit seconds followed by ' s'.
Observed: 10 h 26 min
